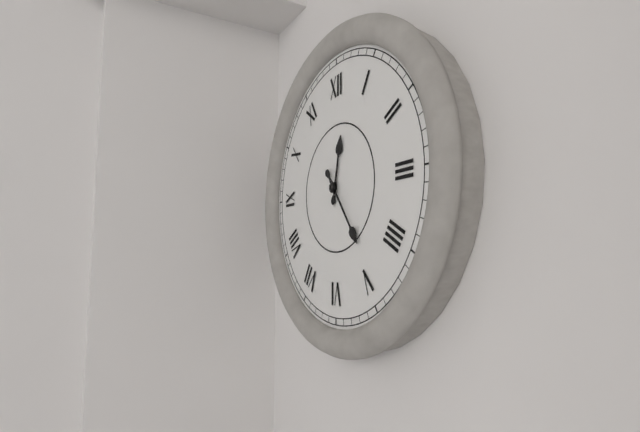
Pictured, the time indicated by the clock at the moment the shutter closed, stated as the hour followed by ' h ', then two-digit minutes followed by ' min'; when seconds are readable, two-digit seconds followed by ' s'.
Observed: 12 h 24 min
